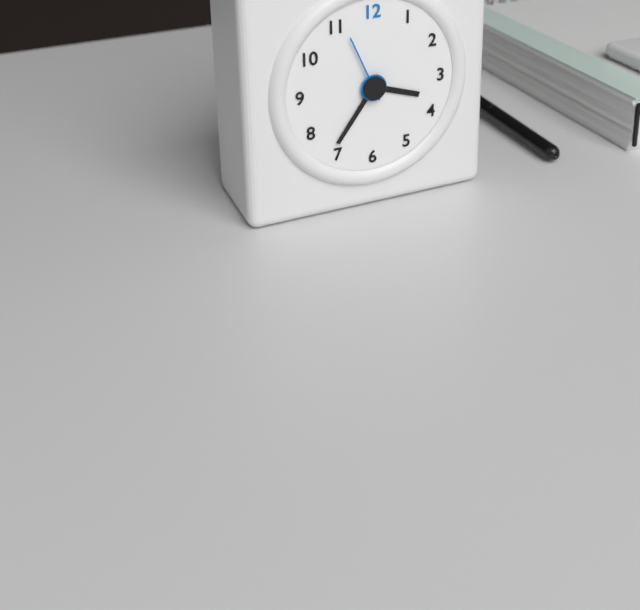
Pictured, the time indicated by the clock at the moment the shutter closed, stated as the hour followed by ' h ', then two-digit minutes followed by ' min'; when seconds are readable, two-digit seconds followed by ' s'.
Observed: 3 h 36 min 56 s
